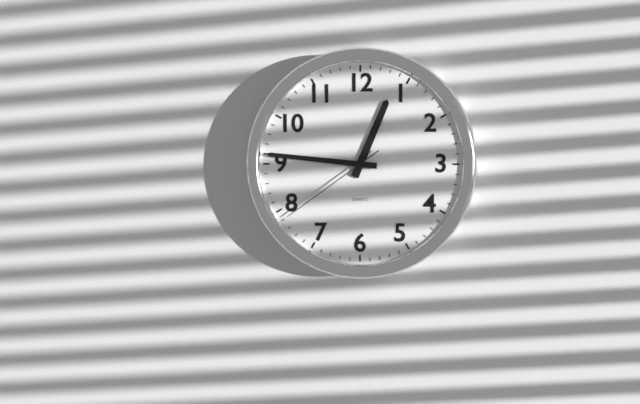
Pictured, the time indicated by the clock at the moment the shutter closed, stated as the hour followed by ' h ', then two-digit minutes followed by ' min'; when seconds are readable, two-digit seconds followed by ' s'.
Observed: 12 h 46 min 39 s
